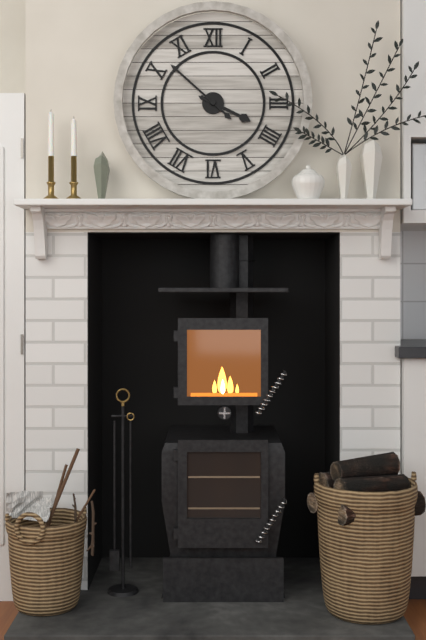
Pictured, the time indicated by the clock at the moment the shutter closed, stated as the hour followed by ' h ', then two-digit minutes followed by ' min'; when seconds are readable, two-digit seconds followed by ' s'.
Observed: 3 h 52 min
